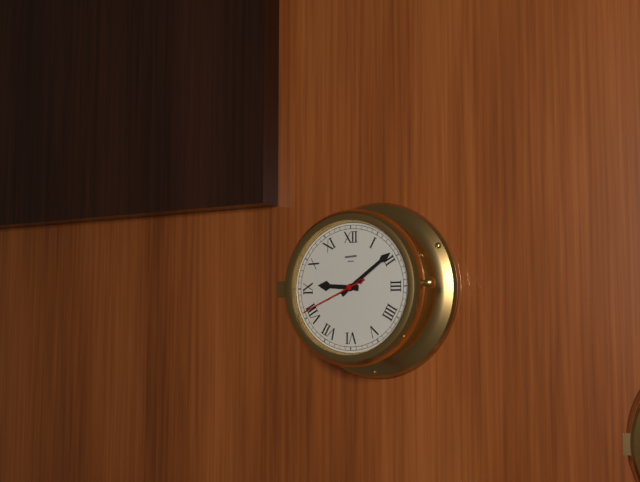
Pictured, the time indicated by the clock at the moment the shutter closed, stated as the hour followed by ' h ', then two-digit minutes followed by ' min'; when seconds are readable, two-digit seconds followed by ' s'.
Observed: 9 h 09 min 41 s
